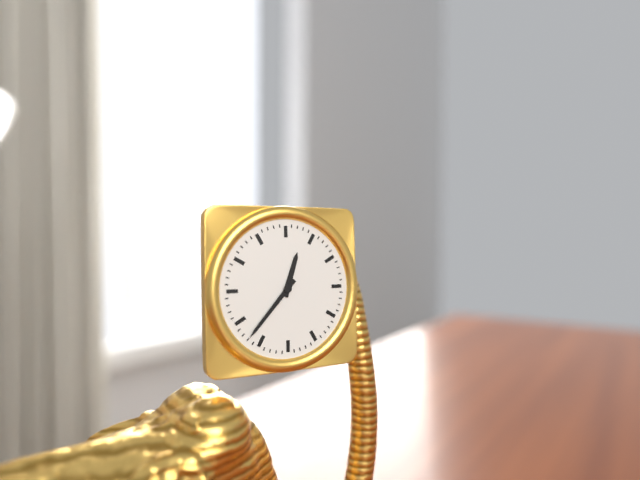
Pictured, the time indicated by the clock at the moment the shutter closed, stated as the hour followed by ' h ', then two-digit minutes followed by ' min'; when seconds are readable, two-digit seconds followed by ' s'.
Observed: 12 h 37 min
